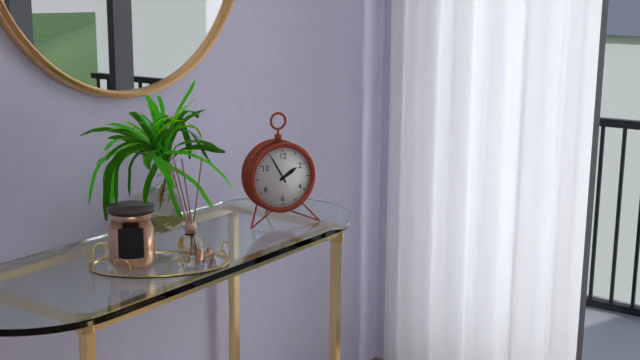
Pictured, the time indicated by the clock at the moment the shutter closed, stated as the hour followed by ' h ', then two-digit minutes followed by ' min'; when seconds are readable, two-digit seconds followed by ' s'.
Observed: 1 h 55 min
